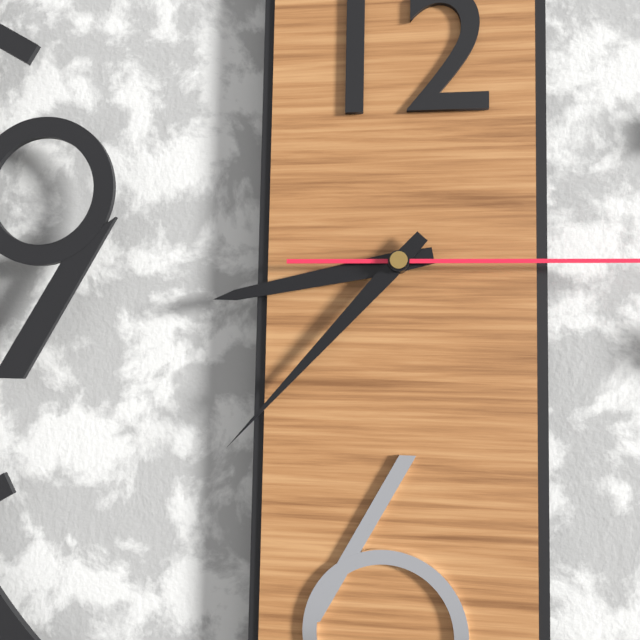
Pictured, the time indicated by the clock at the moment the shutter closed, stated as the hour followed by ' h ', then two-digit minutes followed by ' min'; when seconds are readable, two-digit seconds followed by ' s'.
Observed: 8 h 37 min
